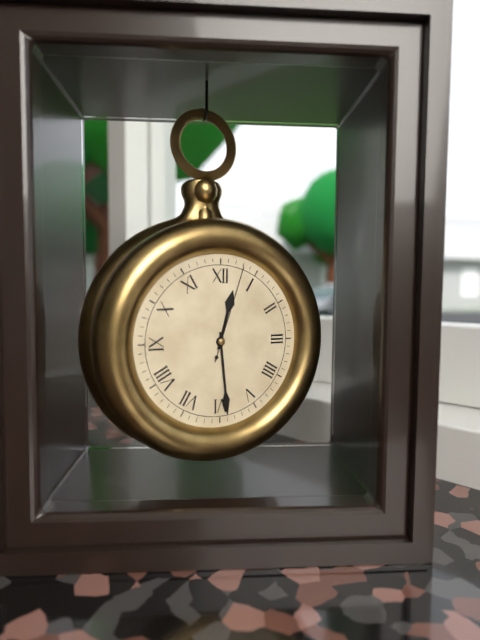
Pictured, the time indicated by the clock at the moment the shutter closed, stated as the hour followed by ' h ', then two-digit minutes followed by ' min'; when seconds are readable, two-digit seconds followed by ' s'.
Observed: 12 h 29 min 03 s
